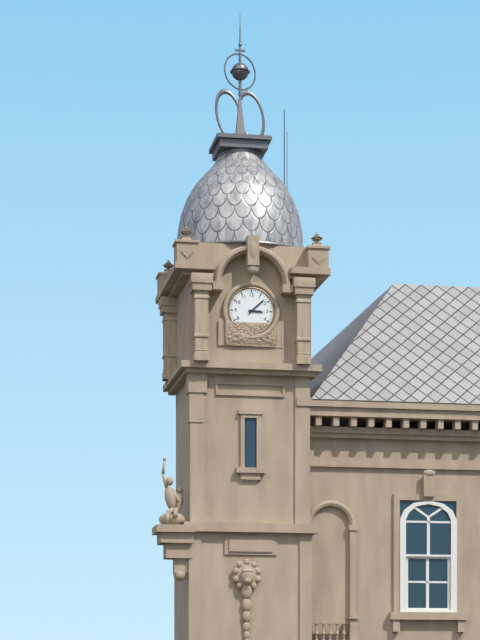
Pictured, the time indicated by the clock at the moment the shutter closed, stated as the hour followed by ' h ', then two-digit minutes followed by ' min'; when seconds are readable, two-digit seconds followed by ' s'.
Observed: 3 h 08 min
